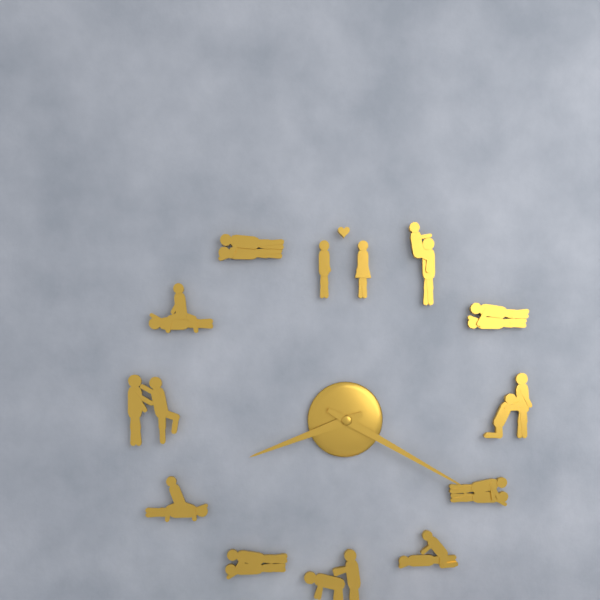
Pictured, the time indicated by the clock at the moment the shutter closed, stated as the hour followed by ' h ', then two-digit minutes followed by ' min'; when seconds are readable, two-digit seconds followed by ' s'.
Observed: 8 h 20 min
